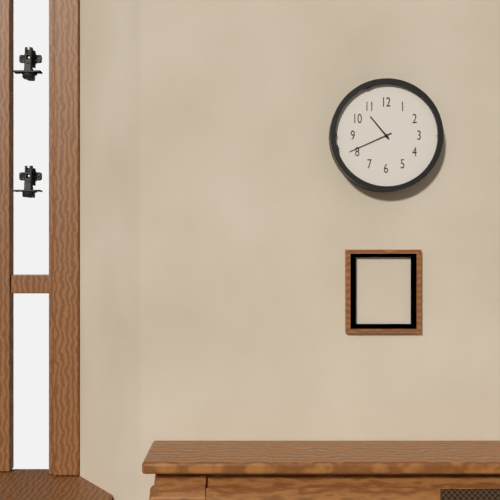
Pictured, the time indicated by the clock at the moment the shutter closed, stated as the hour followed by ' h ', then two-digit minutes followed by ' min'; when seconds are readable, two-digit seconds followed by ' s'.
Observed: 10 h 41 min
